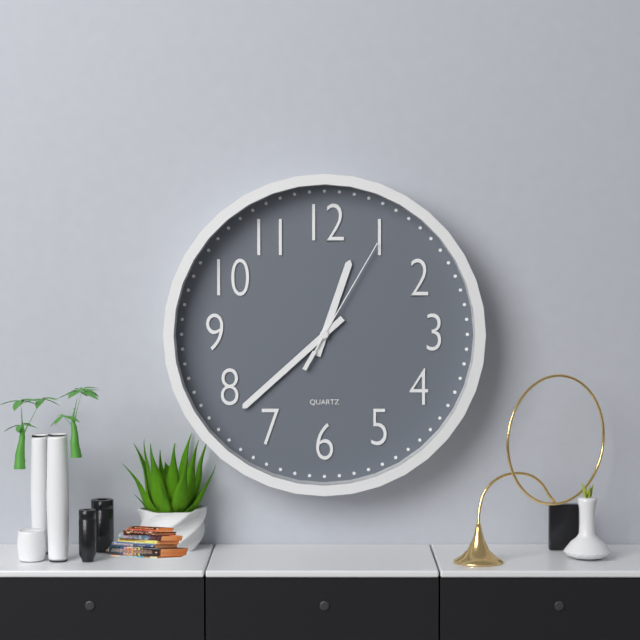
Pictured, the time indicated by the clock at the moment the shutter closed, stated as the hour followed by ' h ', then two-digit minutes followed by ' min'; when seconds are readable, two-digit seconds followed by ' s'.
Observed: 12 h 38 min 05 s
